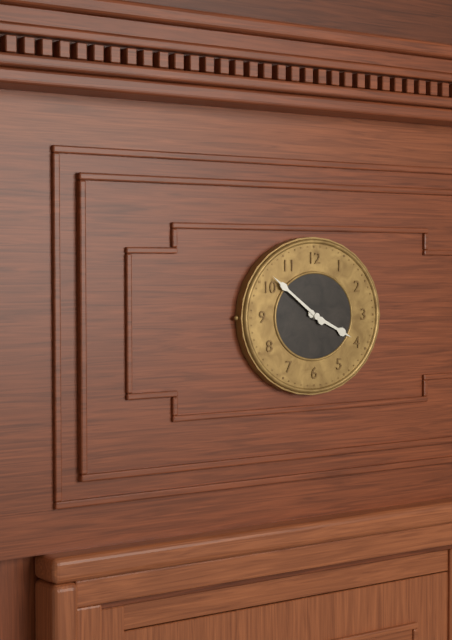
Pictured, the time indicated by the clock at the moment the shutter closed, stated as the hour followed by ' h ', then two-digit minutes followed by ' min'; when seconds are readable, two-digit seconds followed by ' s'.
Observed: 3 h 51 min
